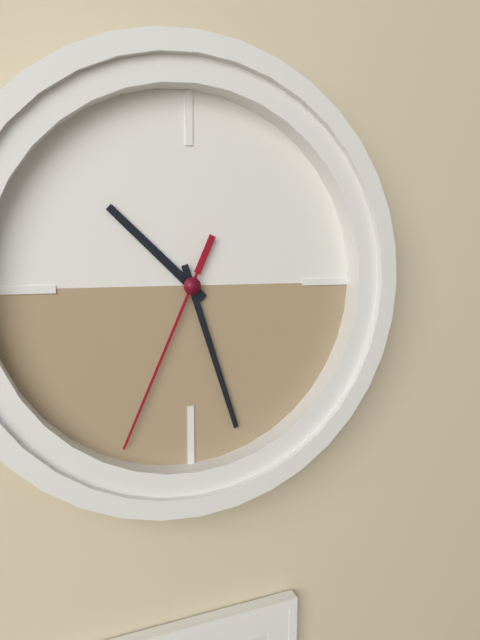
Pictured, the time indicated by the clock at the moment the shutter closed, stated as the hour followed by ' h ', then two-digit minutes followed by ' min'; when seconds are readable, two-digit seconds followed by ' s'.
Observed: 10 h 27 min 34 s
